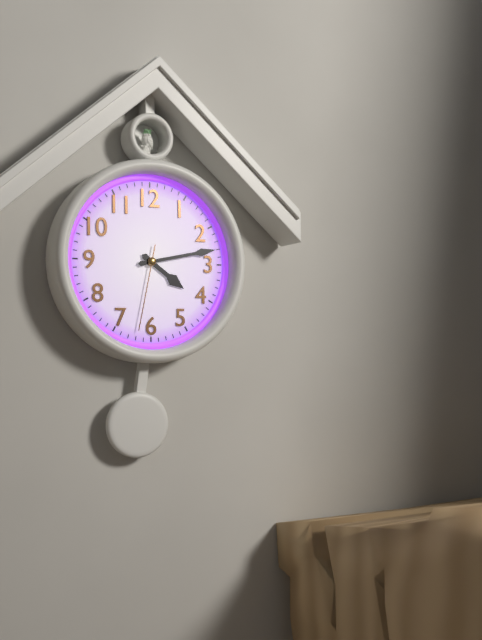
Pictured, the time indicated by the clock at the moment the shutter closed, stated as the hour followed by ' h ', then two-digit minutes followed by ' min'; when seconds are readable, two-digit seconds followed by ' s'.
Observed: 4 h 13 min 32 s
